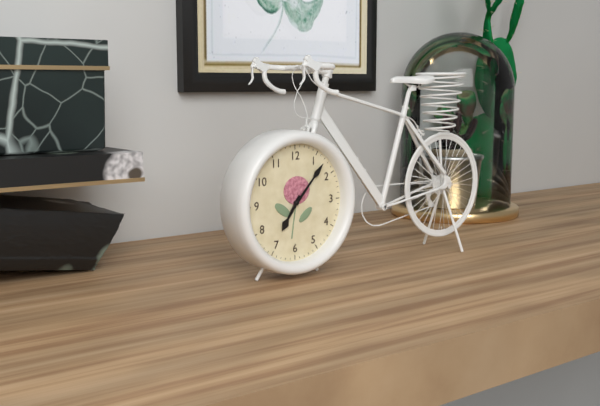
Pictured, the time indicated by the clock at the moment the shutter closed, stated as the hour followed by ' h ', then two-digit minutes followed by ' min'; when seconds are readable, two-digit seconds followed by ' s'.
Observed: 7 h 07 min
